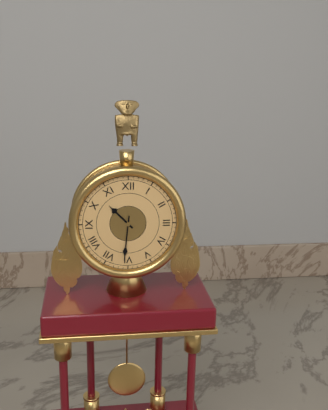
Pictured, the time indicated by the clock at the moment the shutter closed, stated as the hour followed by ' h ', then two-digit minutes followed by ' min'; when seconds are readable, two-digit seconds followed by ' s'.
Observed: 10 h 31 min
